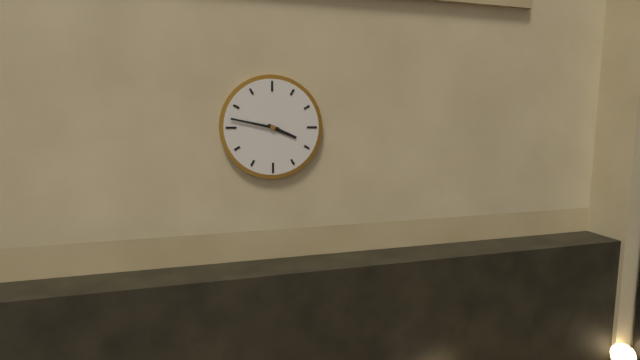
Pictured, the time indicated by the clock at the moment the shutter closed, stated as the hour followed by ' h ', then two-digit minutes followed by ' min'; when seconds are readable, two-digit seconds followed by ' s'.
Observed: 3 h 47 min
